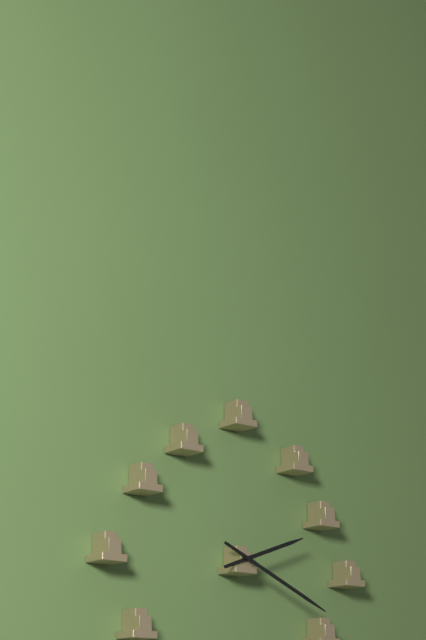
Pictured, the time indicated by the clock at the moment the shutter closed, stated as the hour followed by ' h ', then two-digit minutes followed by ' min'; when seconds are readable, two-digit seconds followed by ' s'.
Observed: 2 h 19 min
